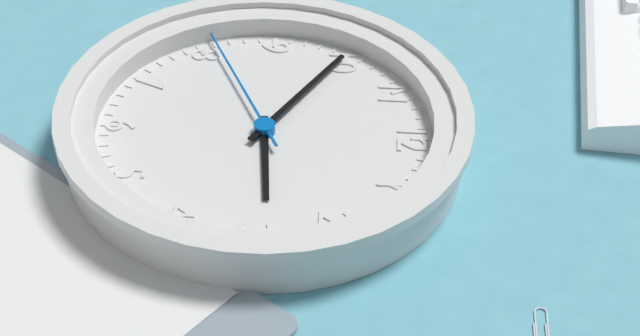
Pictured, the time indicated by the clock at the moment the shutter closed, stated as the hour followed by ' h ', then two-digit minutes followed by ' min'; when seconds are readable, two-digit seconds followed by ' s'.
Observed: 2 h 50 min 41 s
